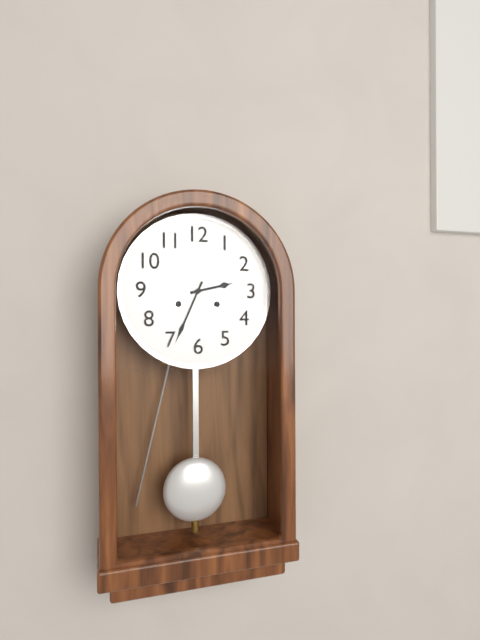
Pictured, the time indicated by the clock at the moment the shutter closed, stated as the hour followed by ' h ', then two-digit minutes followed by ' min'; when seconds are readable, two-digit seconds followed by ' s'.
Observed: 2 h 34 min
